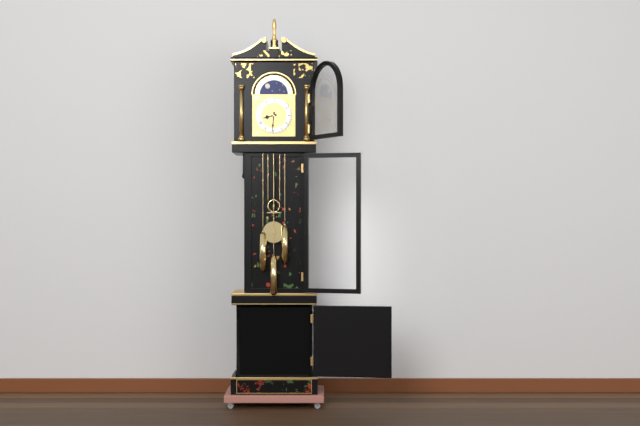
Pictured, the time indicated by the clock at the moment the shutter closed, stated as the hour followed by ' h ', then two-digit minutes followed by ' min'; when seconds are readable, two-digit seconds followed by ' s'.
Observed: 8 h 31 min
